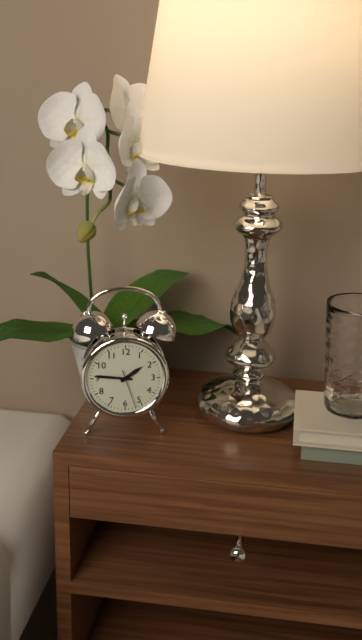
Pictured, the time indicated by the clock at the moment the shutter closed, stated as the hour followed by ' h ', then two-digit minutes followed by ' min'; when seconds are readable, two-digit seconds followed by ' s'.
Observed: 1 h 46 min
